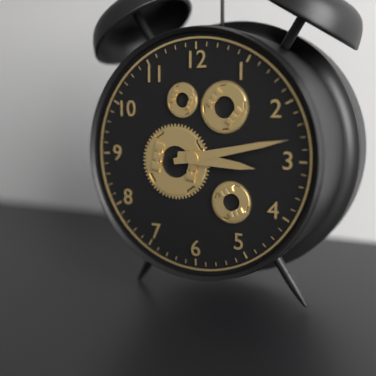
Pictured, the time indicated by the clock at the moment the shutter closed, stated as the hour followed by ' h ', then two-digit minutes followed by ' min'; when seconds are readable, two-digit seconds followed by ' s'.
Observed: 3 h 13 min
